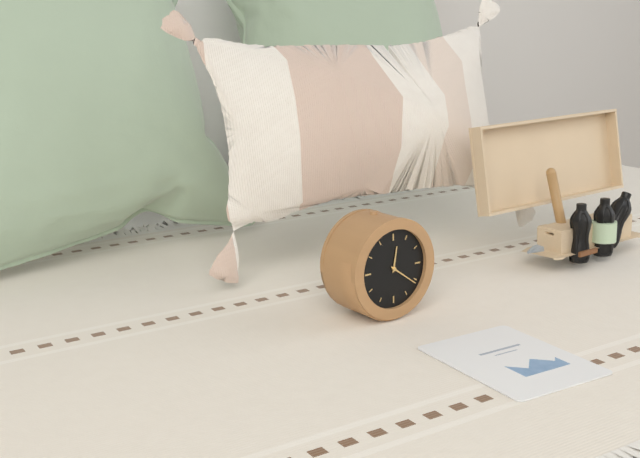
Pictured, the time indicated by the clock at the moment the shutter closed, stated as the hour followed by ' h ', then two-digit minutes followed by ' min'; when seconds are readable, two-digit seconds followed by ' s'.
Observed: 12 h 21 min
